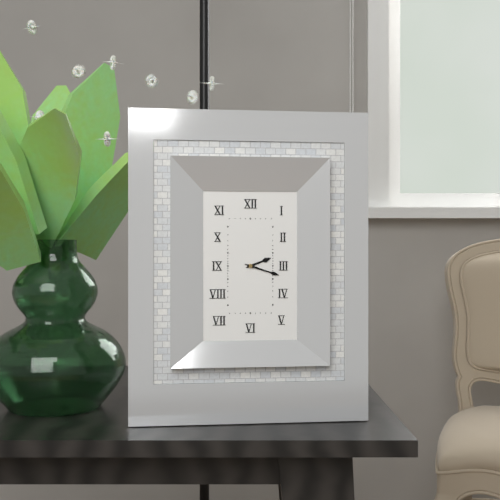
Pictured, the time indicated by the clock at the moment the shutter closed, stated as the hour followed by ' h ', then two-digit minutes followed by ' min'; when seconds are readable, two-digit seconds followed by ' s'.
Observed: 2 h 18 min
